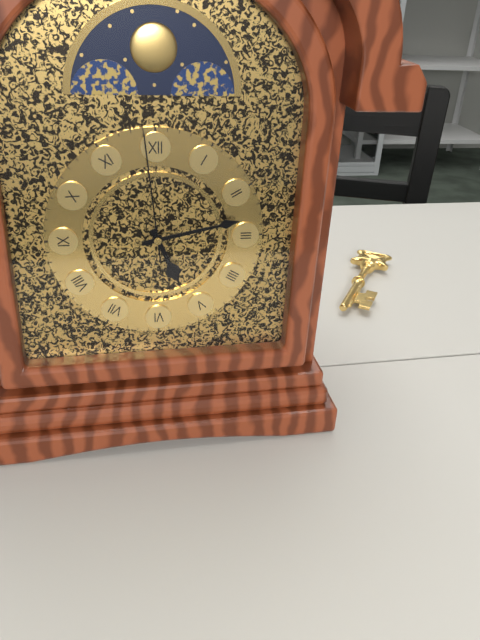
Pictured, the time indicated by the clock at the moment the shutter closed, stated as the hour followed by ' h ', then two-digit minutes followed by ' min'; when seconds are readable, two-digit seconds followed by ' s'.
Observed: 5 h 13 min 59 s
